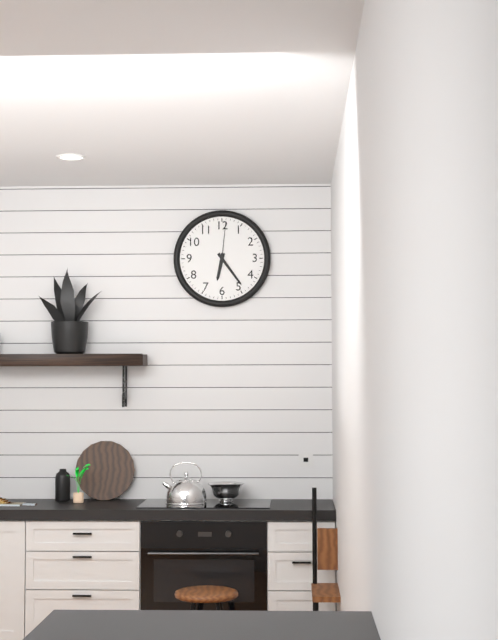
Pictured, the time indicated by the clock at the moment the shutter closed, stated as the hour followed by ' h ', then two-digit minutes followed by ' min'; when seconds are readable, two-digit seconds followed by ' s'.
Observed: 6 h 24 min
